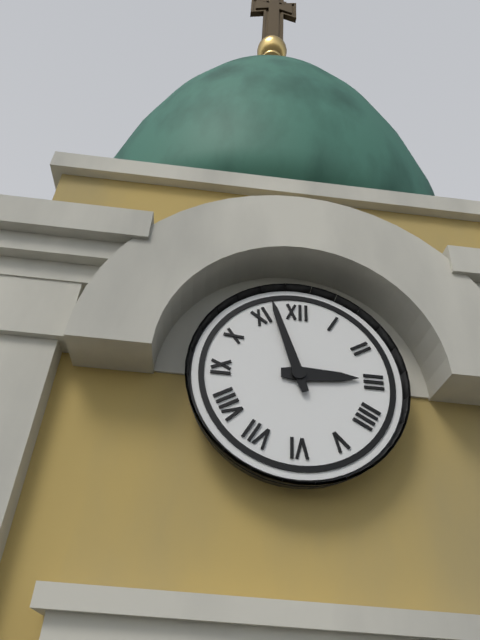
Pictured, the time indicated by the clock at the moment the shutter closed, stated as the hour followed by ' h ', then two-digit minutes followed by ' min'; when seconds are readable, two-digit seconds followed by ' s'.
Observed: 2 h 57 min
